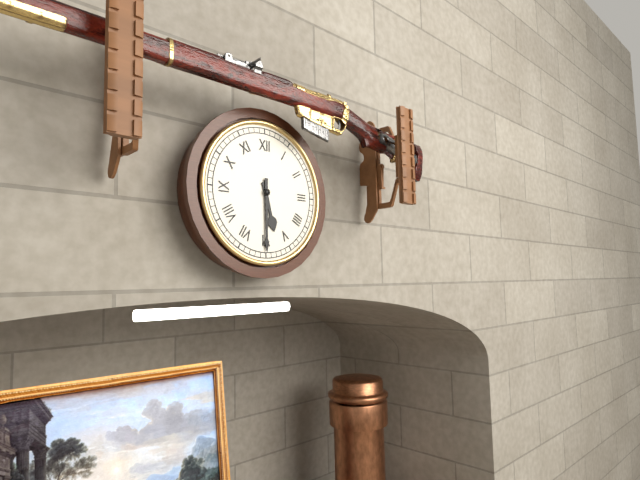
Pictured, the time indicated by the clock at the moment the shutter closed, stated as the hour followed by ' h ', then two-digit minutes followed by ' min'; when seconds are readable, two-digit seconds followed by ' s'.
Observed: 5 h 30 min
